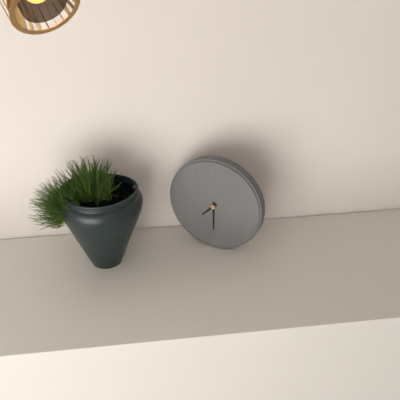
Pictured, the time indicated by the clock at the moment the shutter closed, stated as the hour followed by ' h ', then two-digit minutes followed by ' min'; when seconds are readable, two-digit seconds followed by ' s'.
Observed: 7 h 30 min
